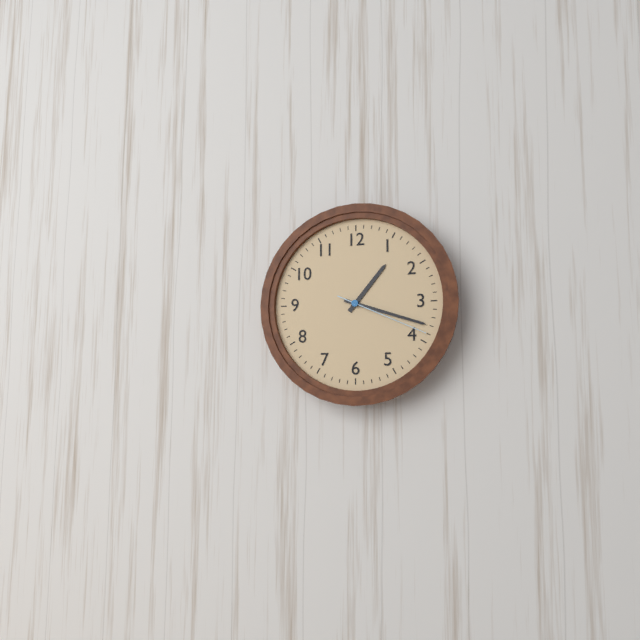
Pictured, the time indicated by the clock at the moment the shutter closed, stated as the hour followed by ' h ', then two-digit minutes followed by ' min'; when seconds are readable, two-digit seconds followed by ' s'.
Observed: 1 h 18 min 19 s
